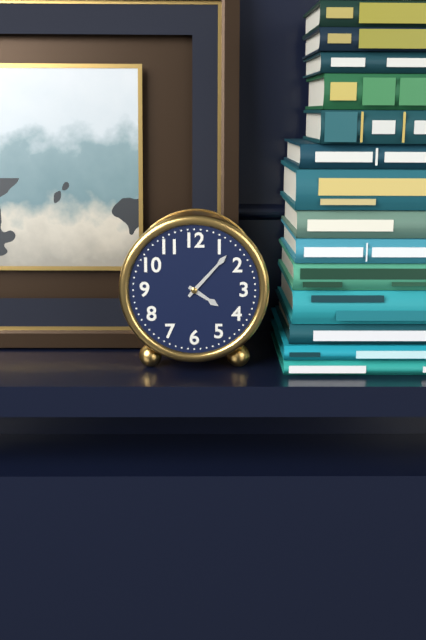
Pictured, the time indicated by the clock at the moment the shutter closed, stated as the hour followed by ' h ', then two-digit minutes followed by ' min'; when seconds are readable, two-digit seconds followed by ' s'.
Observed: 4 h 07 min
